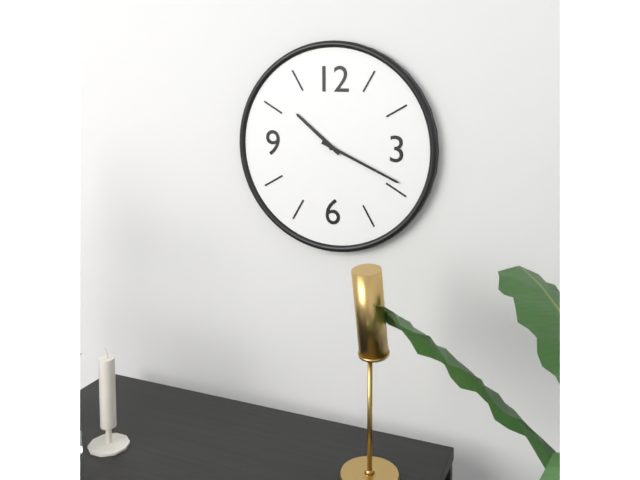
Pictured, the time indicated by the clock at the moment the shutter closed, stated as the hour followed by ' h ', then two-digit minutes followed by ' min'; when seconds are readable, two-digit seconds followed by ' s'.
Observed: 10 h 19 min
